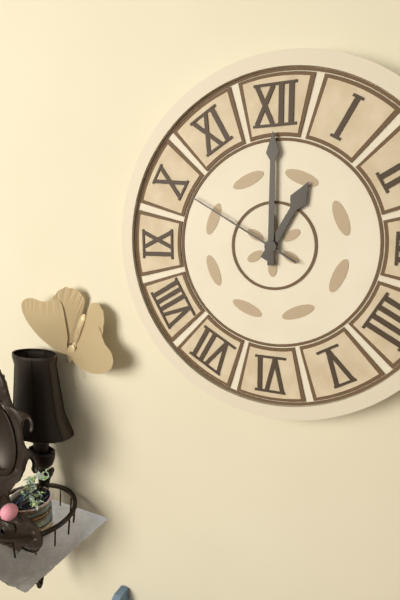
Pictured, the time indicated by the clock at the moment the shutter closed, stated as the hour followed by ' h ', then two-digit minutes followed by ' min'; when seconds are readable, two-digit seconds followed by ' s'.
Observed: 1 h 00 min 50 s
